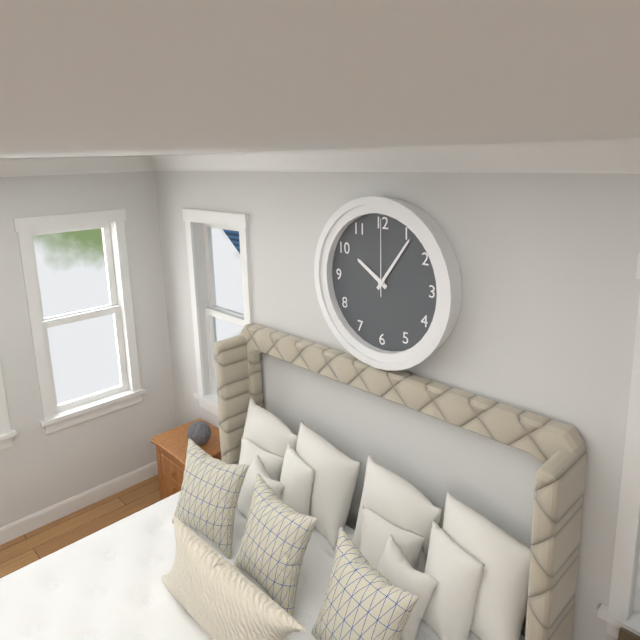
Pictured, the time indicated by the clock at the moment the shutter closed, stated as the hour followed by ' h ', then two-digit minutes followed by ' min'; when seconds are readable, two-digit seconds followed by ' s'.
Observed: 10 h 06 min 00 s
